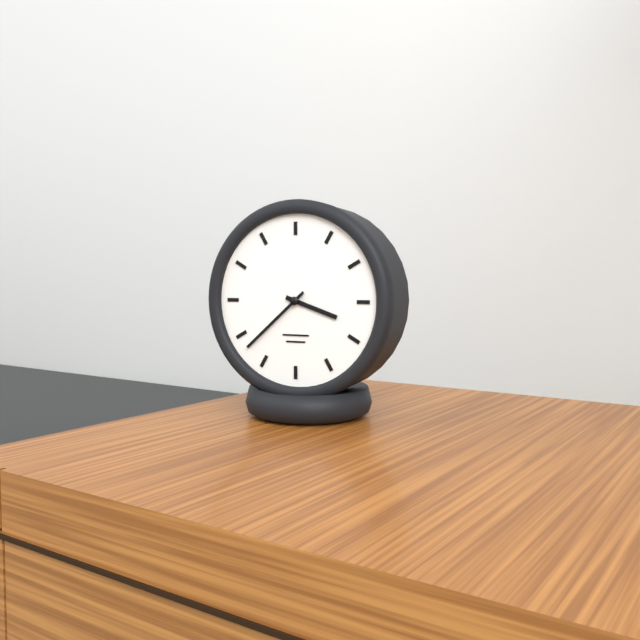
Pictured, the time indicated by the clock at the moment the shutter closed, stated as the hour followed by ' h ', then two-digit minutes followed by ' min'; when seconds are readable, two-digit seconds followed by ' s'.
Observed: 3 h 38 min
